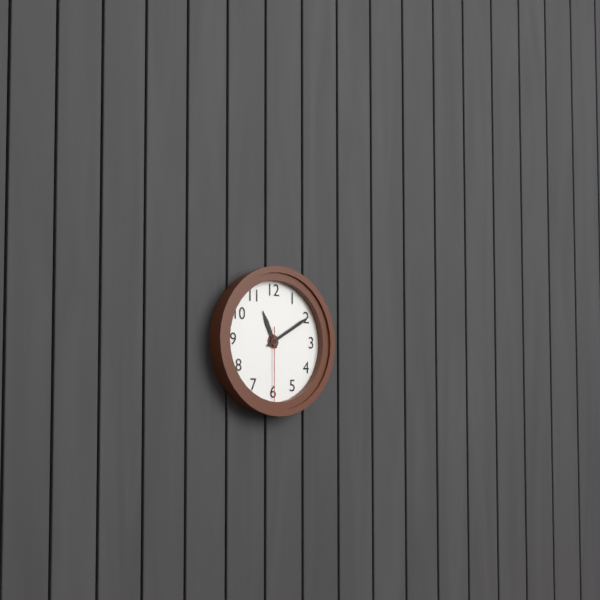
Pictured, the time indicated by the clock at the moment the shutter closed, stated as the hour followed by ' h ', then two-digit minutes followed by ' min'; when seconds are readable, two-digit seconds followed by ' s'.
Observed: 11 h 10 min 30 s
